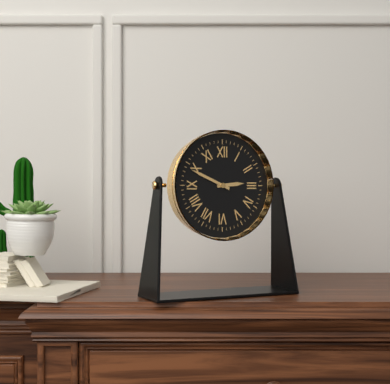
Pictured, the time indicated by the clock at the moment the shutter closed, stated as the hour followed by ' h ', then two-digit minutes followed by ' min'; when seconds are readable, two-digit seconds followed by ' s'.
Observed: 2 h 49 min
